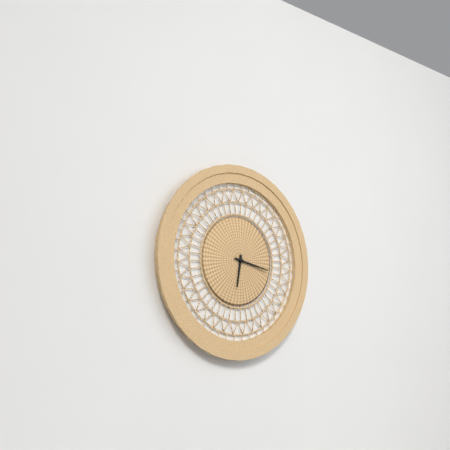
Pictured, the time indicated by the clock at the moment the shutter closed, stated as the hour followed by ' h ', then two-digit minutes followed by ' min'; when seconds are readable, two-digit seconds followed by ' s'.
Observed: 6 h 17 min
